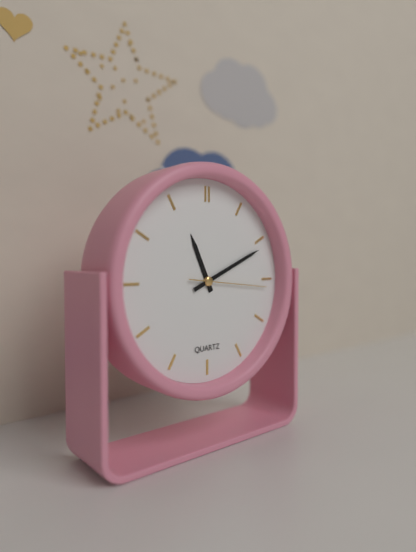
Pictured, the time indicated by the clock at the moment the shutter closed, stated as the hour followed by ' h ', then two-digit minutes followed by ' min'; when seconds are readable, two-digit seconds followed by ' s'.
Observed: 11 h 11 min 16 s
